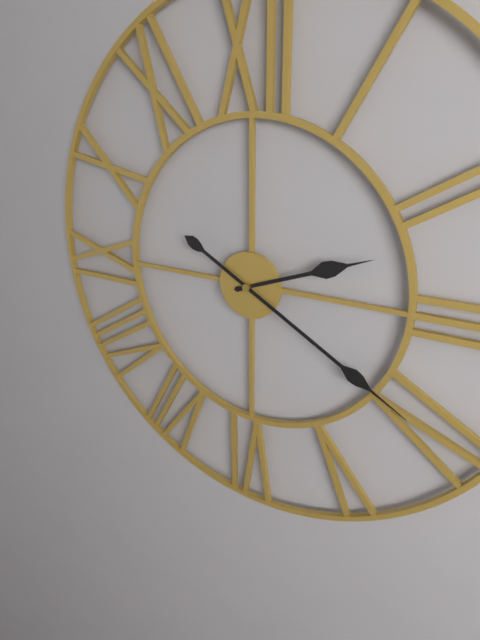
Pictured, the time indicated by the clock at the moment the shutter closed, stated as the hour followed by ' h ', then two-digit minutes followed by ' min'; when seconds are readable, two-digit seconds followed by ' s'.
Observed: 2 h 20 min
